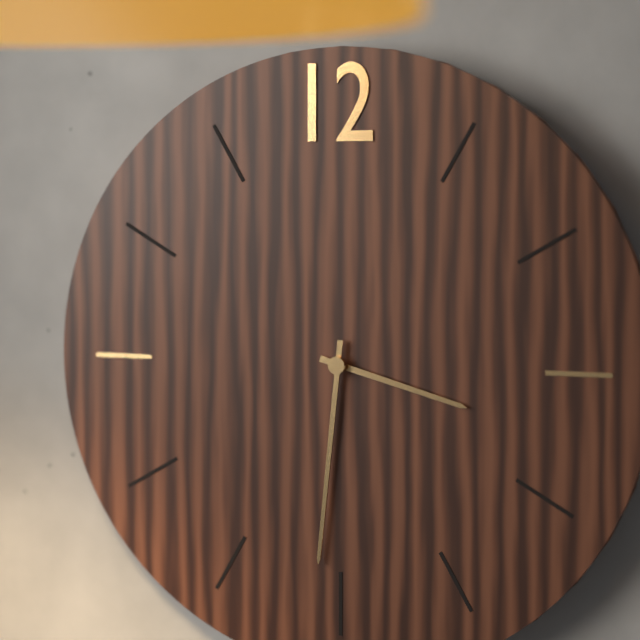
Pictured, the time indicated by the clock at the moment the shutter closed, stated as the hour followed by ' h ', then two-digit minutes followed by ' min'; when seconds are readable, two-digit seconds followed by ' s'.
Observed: 3 h 31 min
